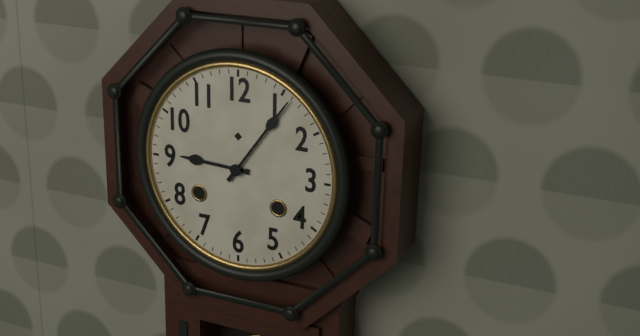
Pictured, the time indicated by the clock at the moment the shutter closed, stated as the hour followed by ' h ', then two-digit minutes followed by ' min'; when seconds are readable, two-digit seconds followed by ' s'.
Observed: 9 h 06 min
